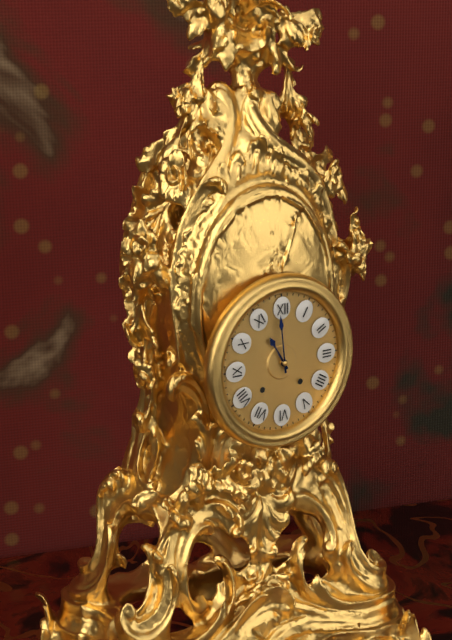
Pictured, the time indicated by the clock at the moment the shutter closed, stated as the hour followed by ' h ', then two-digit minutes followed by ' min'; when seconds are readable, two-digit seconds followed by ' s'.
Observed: 10 h 59 min
